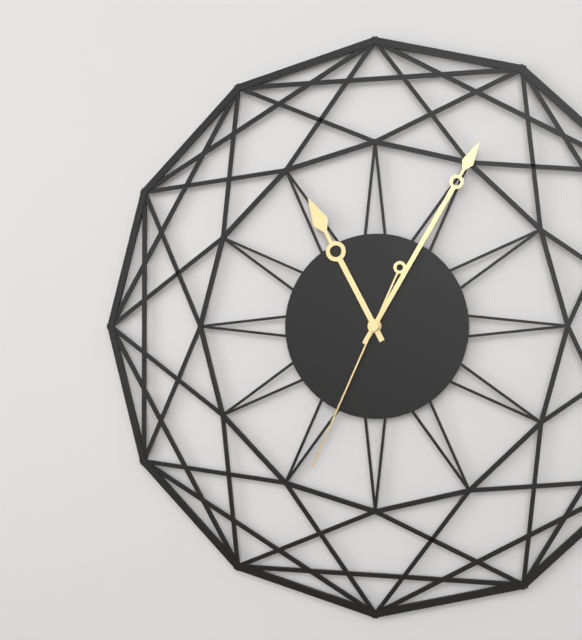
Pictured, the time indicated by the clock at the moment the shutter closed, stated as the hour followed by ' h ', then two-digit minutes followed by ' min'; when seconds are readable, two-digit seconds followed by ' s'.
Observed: 11 h 05 min 34 s
